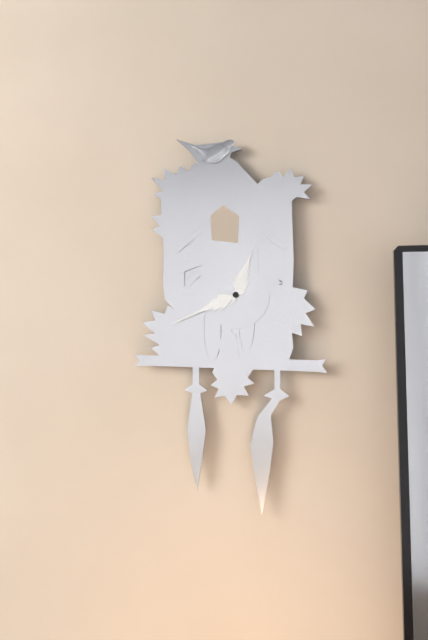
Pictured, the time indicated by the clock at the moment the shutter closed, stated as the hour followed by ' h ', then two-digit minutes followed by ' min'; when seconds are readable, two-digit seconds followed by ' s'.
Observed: 12 h 41 min
